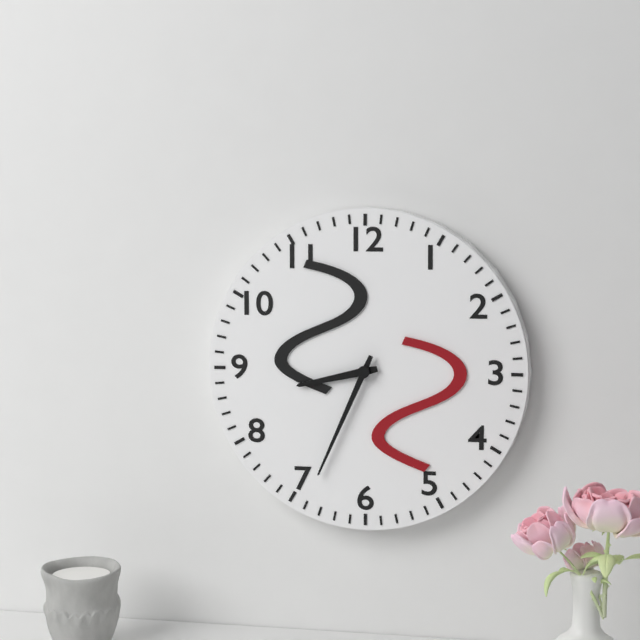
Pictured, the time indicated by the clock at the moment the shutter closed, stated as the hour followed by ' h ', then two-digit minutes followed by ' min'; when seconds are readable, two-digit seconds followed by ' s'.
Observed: 8 h 34 min
